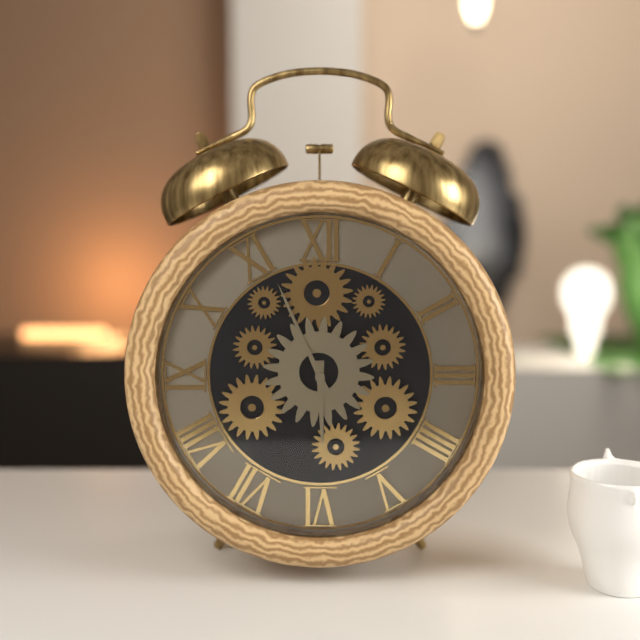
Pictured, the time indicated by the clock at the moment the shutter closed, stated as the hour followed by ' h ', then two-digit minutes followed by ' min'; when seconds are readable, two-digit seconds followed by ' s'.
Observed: 5 h 56 min
